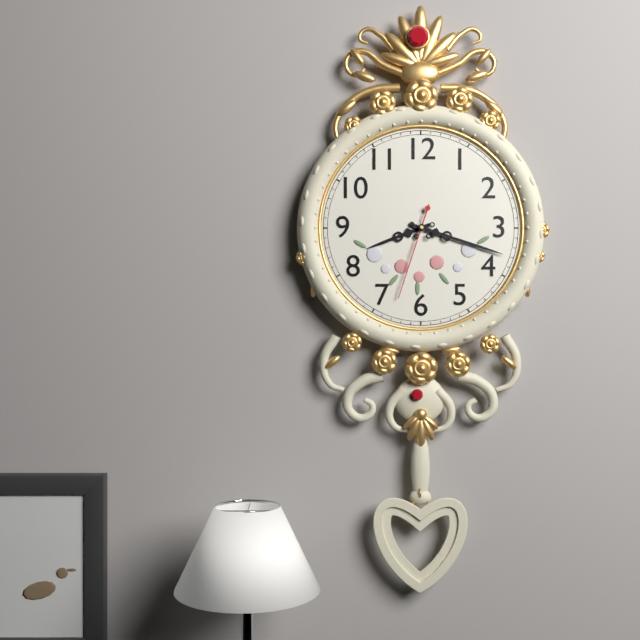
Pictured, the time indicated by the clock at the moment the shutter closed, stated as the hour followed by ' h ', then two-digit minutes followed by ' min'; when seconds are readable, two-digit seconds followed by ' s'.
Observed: 8 h 18 min 33 s
